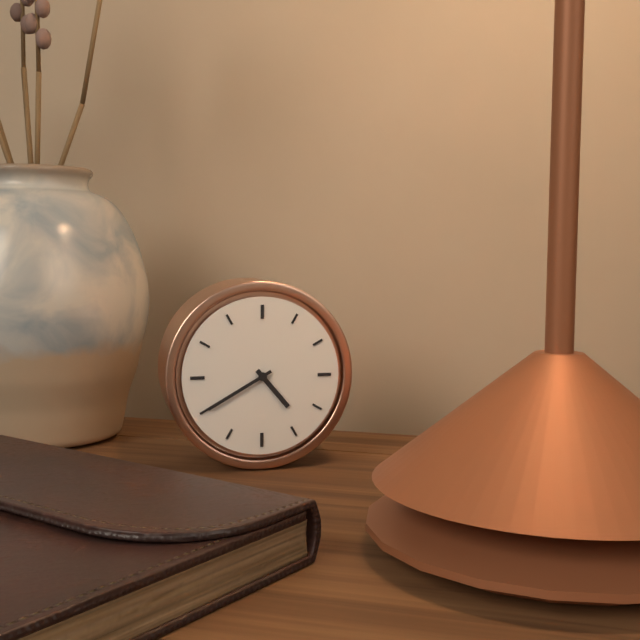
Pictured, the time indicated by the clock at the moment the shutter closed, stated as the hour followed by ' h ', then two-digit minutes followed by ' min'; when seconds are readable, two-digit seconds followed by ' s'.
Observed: 4 h 40 min
